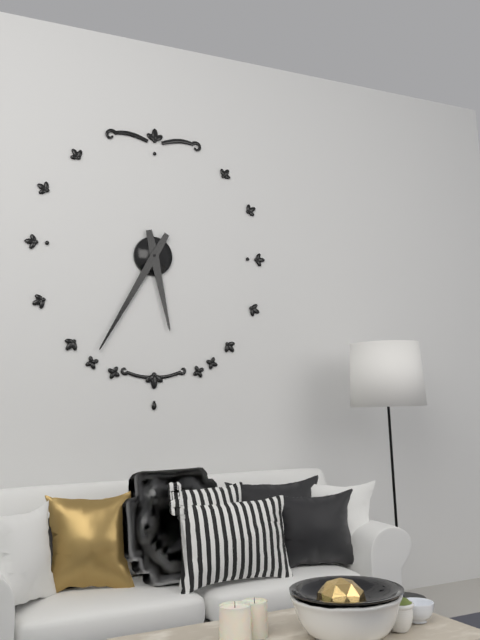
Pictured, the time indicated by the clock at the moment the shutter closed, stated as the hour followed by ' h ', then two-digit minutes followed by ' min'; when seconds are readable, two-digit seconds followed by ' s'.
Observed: 5 h 35 min
